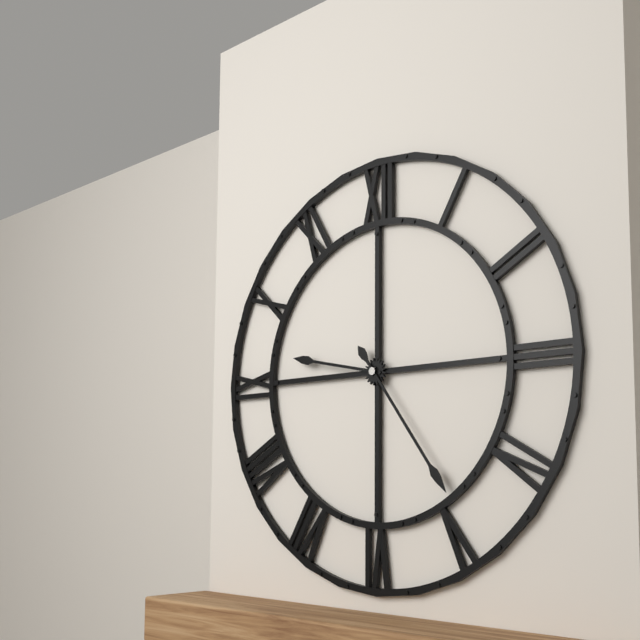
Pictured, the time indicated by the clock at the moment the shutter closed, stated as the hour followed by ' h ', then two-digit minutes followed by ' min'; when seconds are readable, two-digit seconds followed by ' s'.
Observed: 9 h 24 min
